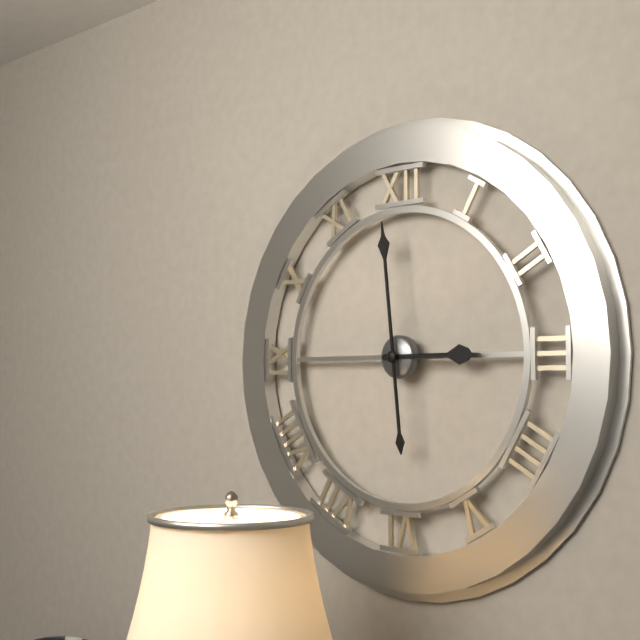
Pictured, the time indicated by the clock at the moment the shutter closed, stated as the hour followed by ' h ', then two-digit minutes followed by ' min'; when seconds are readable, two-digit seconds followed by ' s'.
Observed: 2 h 59 min
